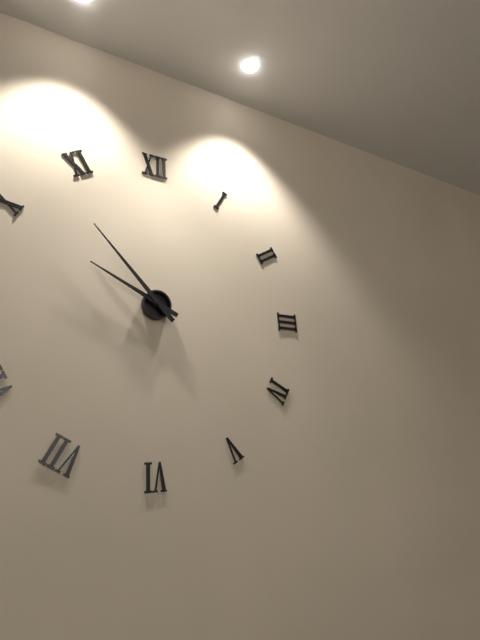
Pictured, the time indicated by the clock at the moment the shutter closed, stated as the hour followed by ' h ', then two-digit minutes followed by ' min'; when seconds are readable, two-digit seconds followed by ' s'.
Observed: 9 h 53 min
